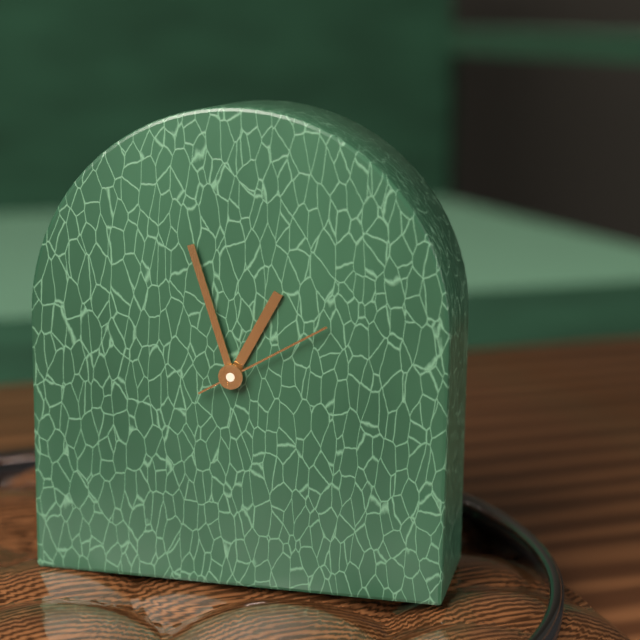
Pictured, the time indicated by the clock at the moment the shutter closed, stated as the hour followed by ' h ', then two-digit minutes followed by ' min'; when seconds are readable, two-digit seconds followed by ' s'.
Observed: 12 h 57 min 10 s
